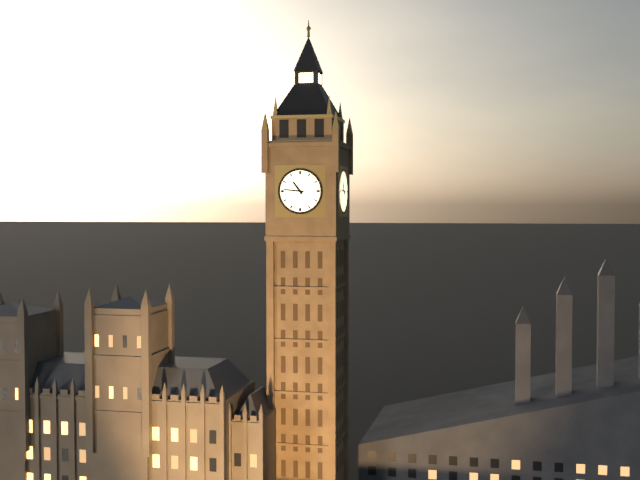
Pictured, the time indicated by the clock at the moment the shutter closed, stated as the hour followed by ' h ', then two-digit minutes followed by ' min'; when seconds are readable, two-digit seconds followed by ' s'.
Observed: 10 h 46 min
